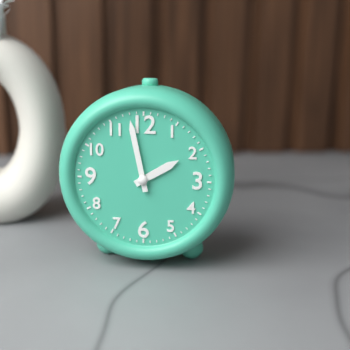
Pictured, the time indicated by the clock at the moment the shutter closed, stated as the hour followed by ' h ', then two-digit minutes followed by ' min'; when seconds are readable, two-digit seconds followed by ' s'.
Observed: 1 h 58 min
